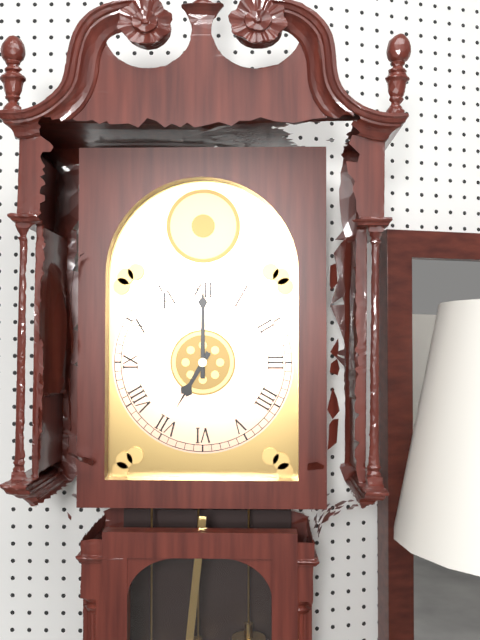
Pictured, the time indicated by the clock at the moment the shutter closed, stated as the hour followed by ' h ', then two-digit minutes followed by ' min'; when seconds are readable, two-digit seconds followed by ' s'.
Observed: 7 h 00 min
